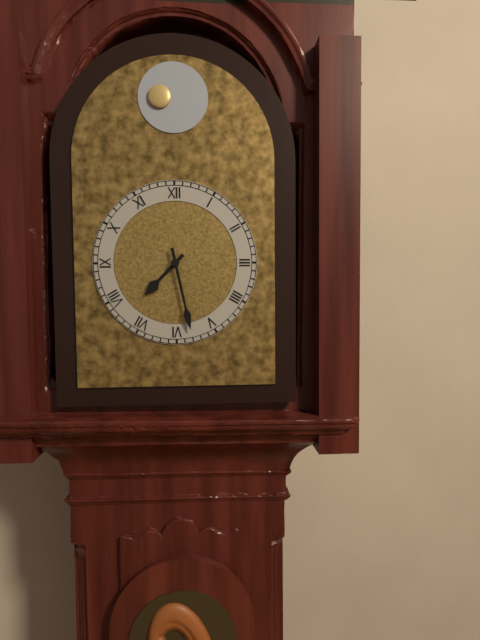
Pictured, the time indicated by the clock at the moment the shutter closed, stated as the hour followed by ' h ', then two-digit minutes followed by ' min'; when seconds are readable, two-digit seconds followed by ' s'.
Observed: 7 h 28 min
